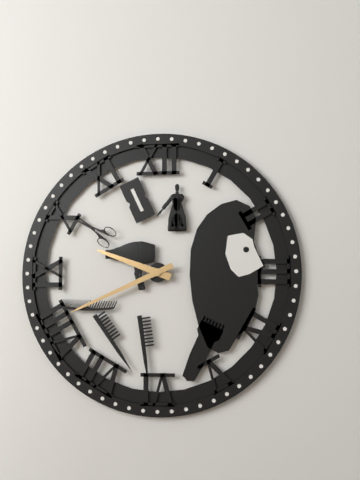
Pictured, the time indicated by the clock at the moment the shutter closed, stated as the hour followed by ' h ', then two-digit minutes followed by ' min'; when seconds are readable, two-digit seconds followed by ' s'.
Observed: 9 h 41 min
